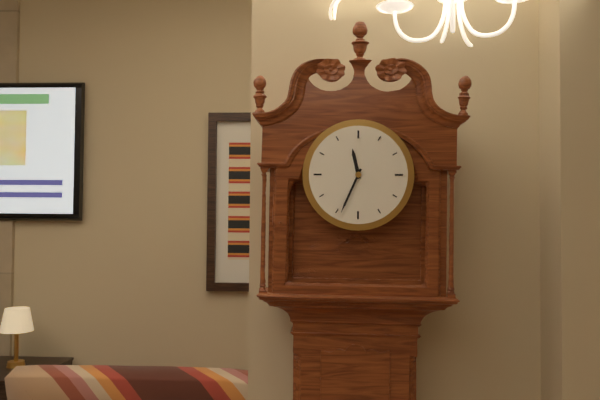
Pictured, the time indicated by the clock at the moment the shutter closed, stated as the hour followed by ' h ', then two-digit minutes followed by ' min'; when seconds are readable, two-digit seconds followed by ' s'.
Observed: 11 h 34 min
